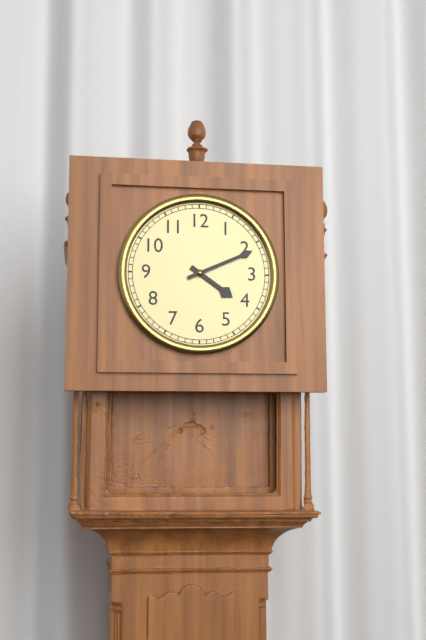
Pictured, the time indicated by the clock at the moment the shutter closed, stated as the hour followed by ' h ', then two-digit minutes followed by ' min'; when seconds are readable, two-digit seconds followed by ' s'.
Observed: 4 h 11 min
